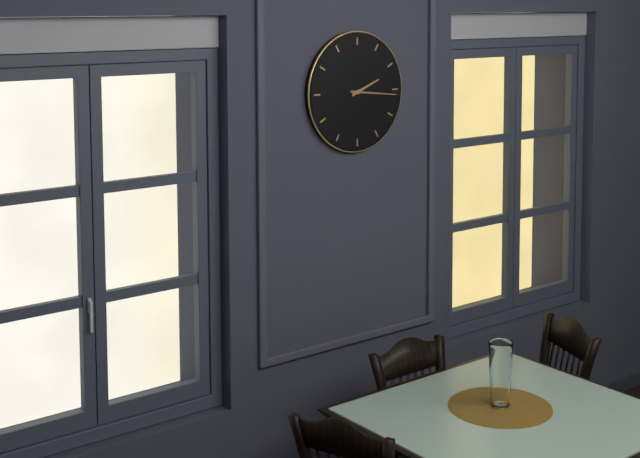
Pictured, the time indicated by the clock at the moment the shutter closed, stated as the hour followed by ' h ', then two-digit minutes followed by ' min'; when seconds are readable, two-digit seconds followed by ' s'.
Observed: 2 h 16 min
